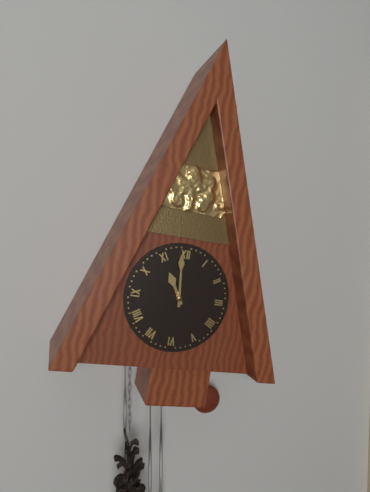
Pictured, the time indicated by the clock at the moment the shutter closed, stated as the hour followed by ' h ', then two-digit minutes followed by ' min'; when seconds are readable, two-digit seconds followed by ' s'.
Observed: 10 h 59 min
